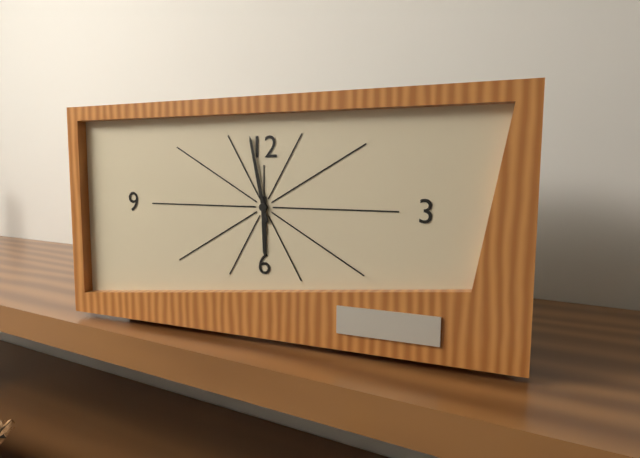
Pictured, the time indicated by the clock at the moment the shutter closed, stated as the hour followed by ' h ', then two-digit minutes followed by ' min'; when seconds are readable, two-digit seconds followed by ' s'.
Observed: 5 h 58 min
